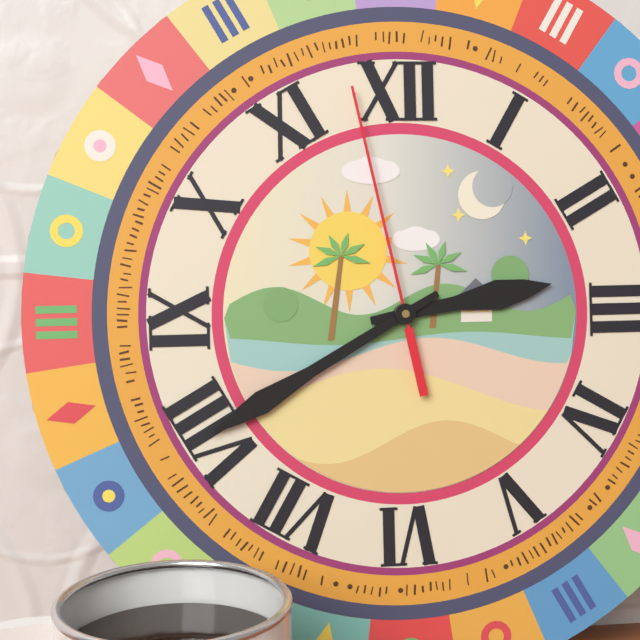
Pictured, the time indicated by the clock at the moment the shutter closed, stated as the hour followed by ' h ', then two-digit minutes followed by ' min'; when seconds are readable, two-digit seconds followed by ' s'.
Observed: 2 h 40 min 58 s
